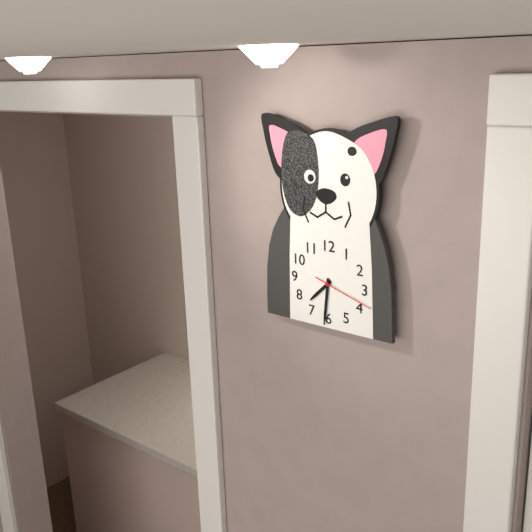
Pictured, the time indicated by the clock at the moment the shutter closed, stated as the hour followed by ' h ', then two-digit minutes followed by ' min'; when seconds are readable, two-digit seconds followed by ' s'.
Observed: 7 h 31 min 18 s
